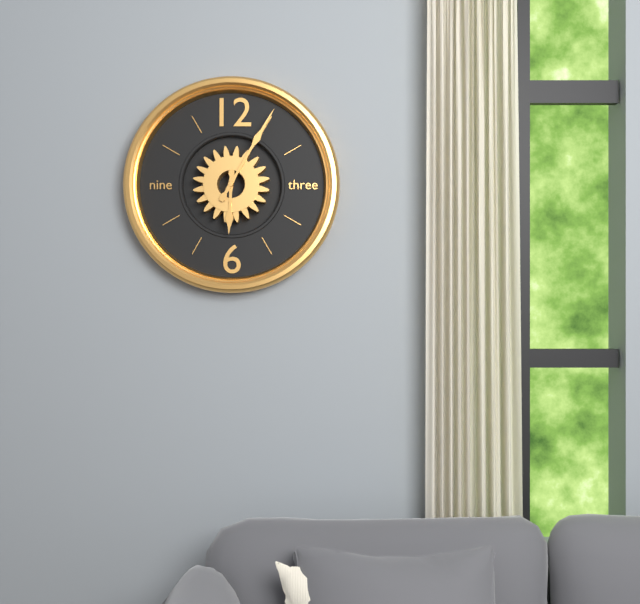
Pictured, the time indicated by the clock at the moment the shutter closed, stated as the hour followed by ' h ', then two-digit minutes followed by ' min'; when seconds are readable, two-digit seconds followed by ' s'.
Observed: 6 h 05 min
